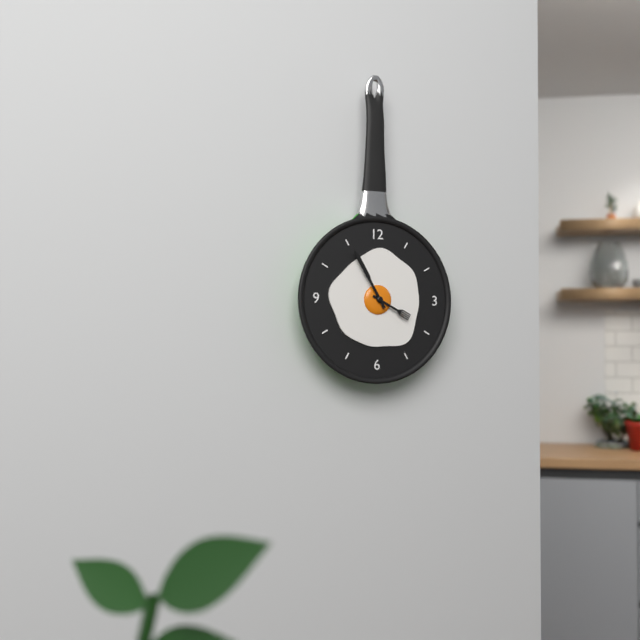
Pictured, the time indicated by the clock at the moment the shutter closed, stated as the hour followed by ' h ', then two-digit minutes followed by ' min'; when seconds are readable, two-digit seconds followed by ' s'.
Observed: 3 h 55 min
